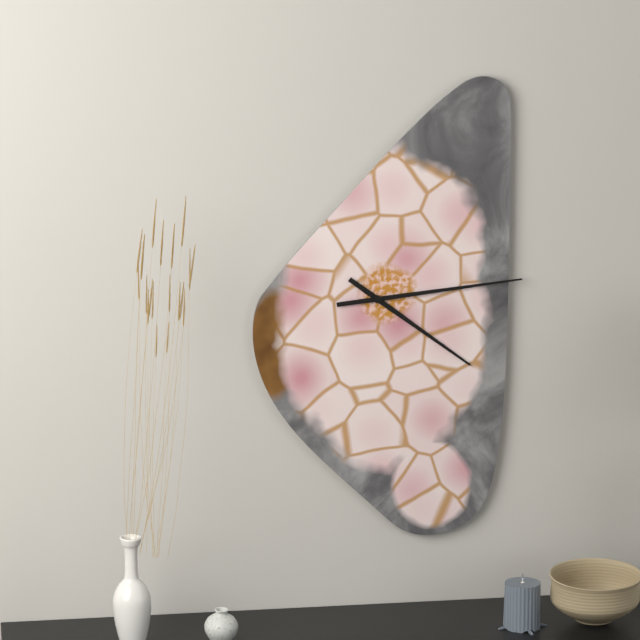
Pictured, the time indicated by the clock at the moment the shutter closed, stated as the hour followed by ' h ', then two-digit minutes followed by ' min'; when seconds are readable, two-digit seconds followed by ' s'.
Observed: 4 h 14 min
